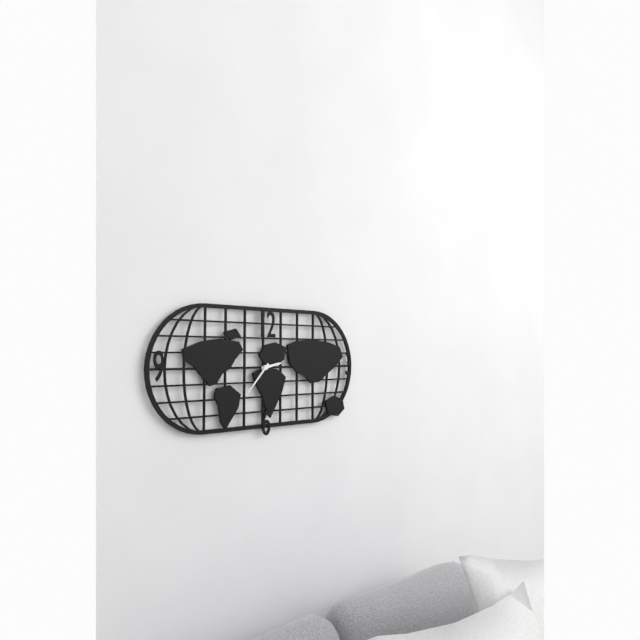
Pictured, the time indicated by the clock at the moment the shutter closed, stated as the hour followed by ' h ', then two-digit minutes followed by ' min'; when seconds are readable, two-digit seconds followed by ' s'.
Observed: 2 h 37 min
